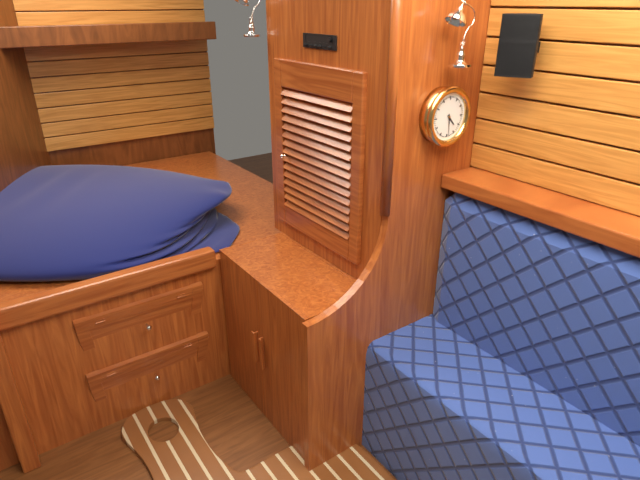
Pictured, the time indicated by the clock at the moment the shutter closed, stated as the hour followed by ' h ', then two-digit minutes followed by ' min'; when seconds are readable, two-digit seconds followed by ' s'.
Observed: 4 h 29 min
